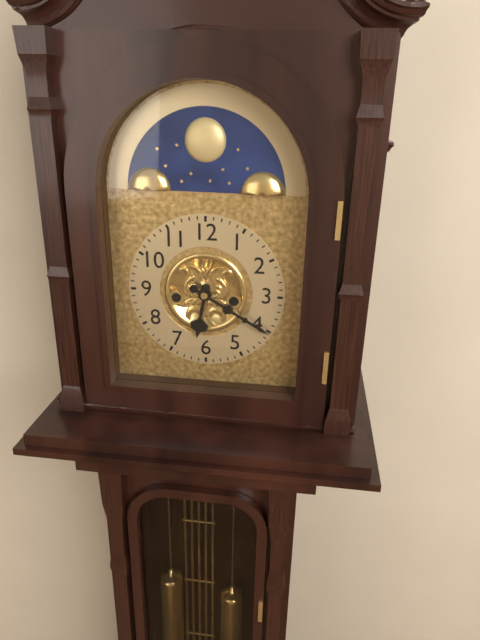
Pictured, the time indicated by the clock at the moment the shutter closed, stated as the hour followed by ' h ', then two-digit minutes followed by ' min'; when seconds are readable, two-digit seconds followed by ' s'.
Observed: 6 h 20 min
